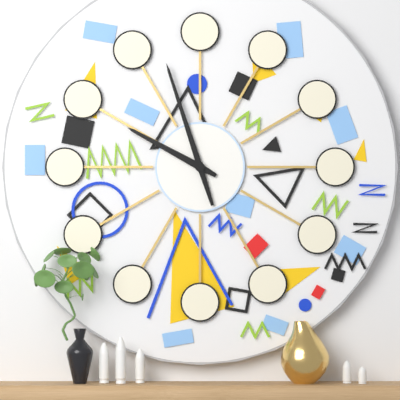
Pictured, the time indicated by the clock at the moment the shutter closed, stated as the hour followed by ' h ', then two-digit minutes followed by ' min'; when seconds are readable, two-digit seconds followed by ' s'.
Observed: 9 h 57 min
